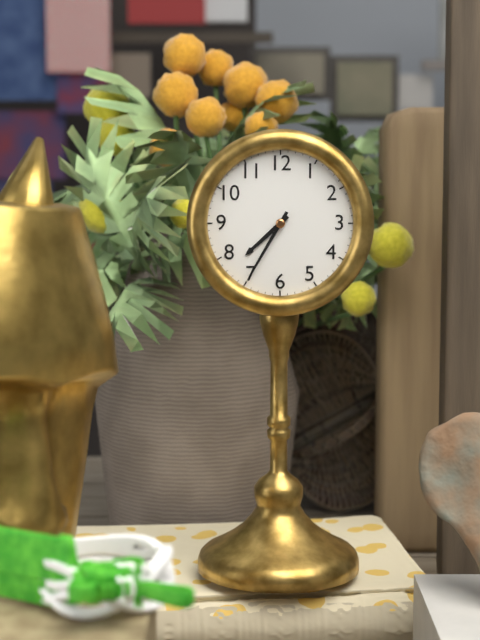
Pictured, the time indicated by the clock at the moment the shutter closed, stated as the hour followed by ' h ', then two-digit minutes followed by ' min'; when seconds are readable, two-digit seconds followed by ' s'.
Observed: 7 h 35 min
